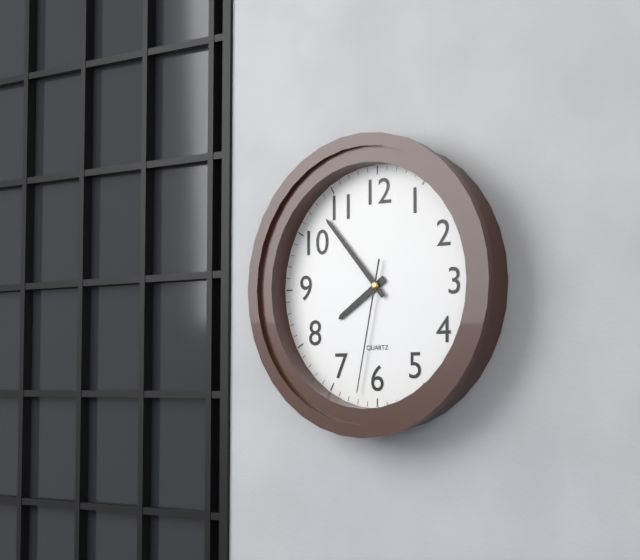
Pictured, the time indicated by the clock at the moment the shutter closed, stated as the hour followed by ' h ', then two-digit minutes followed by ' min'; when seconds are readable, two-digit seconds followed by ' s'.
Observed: 7 h 53 min 32 s
